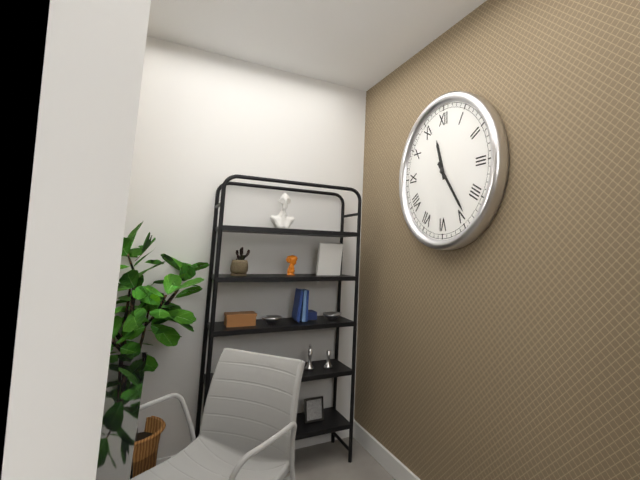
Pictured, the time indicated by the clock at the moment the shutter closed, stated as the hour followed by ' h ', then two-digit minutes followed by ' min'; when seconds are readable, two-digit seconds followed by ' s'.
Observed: 11 h 24 min
